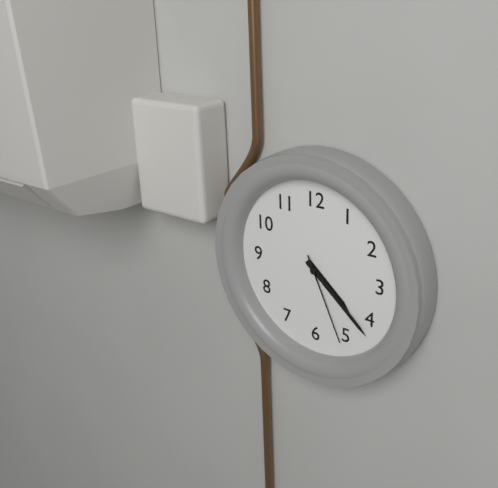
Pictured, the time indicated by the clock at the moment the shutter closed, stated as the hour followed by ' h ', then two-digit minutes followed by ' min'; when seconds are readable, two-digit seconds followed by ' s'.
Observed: 4 h 22 min 26 s
